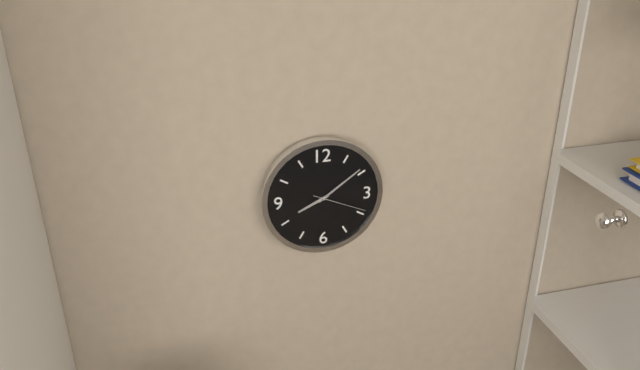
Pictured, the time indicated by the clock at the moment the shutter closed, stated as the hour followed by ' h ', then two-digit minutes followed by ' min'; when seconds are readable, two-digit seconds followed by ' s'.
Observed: 8 h 09 min 19 s
